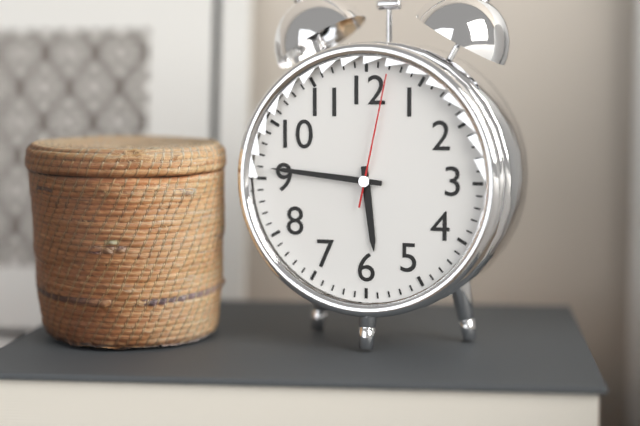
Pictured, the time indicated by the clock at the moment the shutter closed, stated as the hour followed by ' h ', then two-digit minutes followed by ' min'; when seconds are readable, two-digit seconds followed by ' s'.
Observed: 5 h 46 min 02 s
